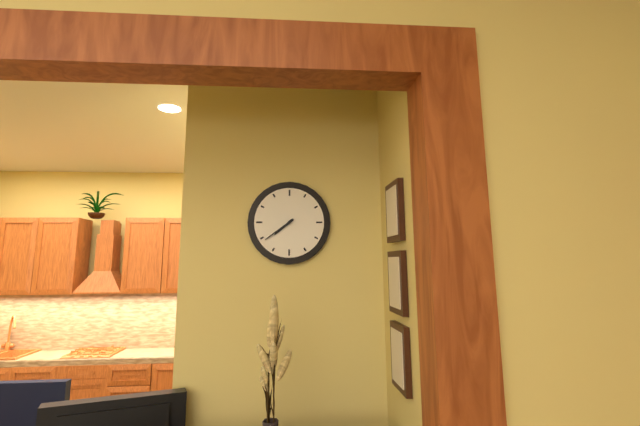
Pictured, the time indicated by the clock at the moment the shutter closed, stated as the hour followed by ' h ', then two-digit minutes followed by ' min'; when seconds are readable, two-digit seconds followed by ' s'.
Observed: 7 h 39 min
